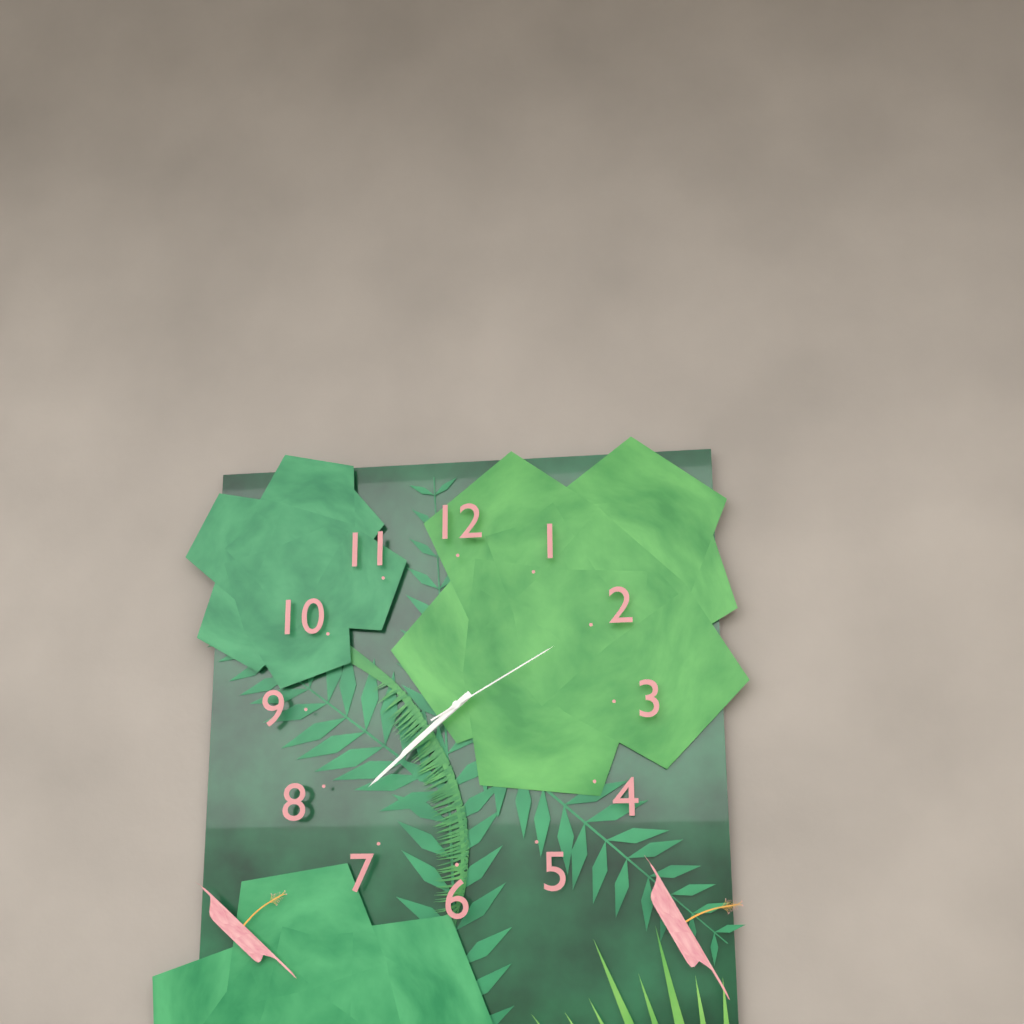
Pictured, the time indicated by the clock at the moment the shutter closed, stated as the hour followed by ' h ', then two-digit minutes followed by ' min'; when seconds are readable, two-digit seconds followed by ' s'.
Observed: 7 h 38 min 10 s
